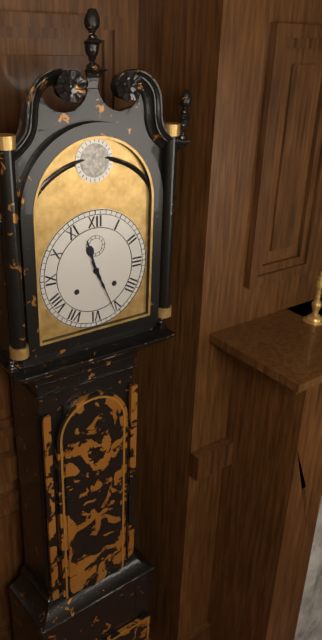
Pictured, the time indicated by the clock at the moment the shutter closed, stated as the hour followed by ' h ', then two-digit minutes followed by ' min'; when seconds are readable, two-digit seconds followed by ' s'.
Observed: 11 h 26 min
